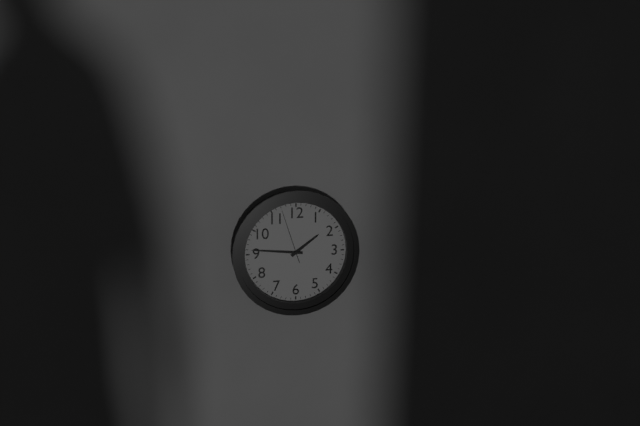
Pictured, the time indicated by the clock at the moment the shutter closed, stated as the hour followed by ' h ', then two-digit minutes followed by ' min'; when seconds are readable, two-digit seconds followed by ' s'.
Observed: 1 h 46 min 57 s
